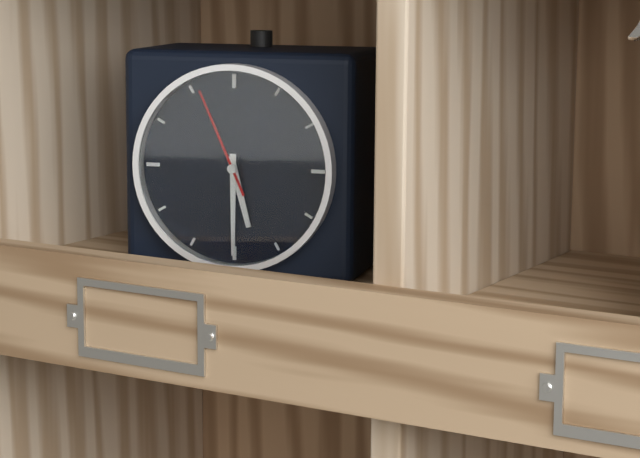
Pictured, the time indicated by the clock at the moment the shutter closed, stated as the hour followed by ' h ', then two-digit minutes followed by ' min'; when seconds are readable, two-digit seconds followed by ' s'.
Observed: 5 h 30 min 56 s
